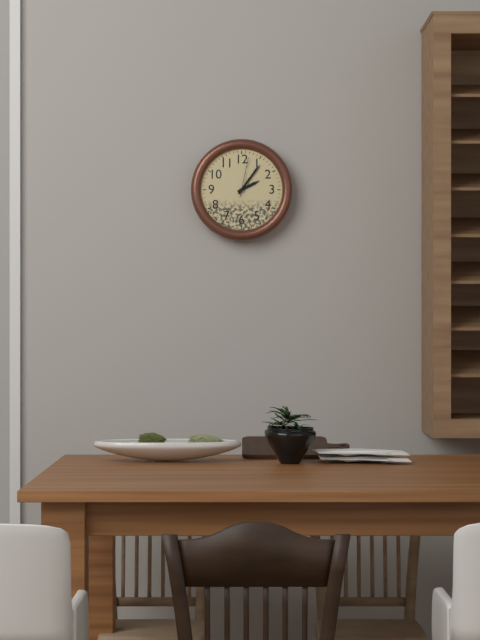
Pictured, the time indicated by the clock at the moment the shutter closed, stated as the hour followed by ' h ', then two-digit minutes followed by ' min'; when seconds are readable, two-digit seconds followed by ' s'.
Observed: 2 h 06 min
